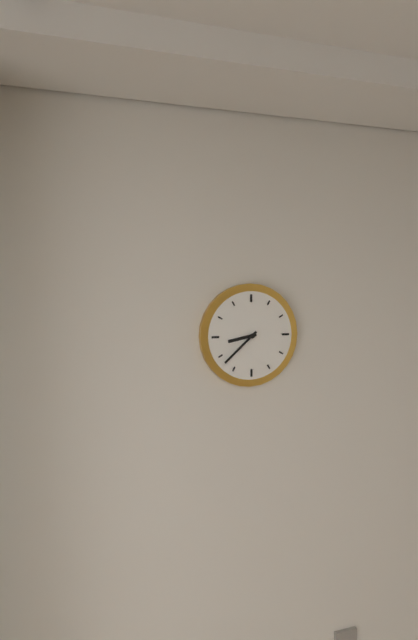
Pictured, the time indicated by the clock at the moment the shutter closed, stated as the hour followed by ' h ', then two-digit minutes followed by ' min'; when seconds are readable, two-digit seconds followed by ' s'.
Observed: 8 h 38 min
